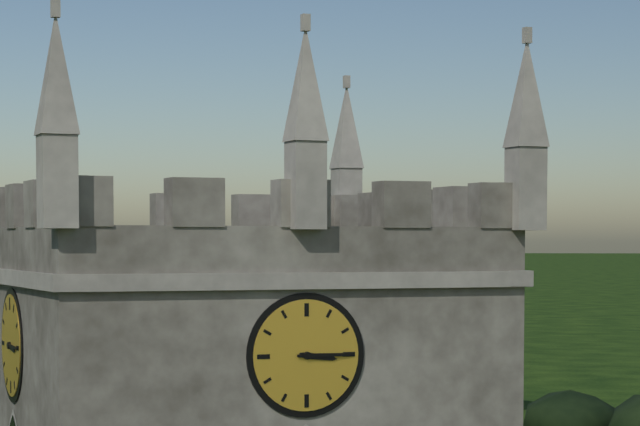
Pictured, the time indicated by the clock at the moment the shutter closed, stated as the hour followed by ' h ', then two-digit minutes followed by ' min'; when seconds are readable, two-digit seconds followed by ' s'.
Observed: 3 h 15 min
